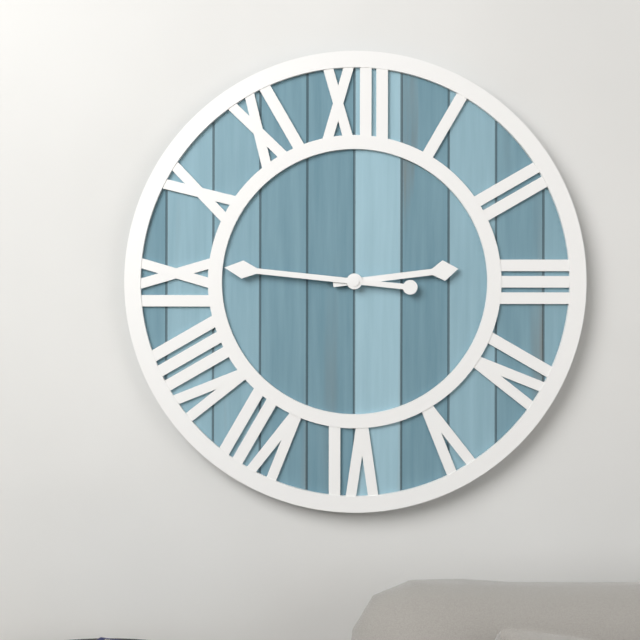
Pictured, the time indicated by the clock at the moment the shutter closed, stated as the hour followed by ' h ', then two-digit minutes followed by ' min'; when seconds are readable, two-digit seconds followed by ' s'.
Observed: 2 h 46 min
